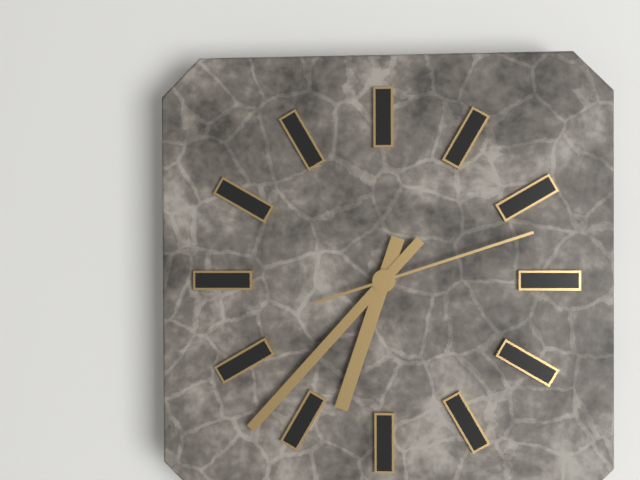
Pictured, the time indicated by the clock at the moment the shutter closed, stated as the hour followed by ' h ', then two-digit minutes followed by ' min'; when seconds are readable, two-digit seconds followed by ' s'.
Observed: 6 h 37 min 12 s
